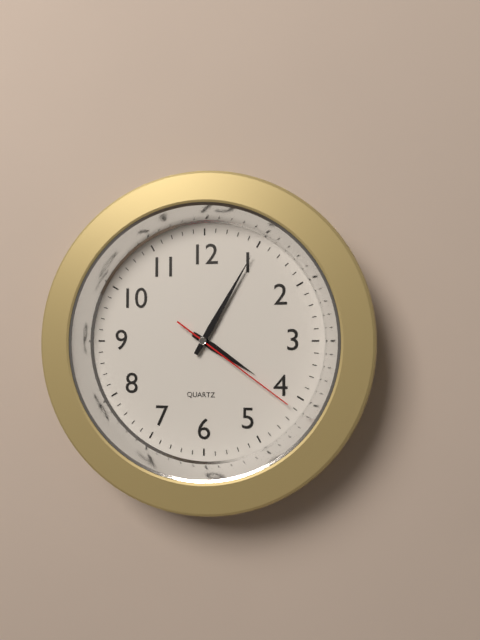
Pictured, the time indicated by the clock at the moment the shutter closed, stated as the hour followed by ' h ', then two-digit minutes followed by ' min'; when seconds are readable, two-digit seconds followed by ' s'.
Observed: 4 h 05 min 21 s
